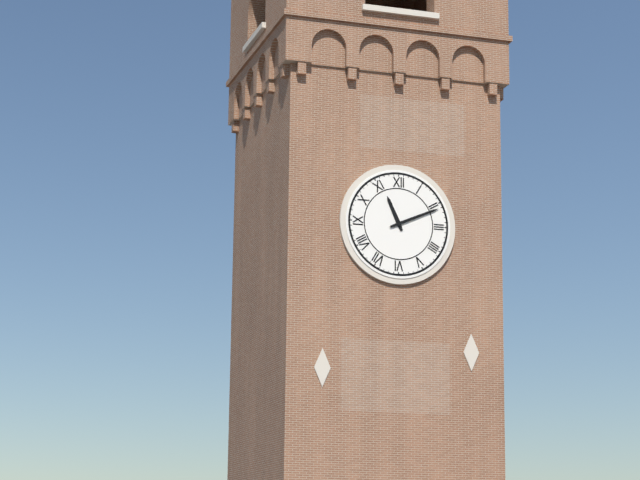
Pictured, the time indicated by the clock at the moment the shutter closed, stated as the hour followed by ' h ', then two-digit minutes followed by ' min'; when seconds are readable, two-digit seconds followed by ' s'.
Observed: 11 h 11 min
